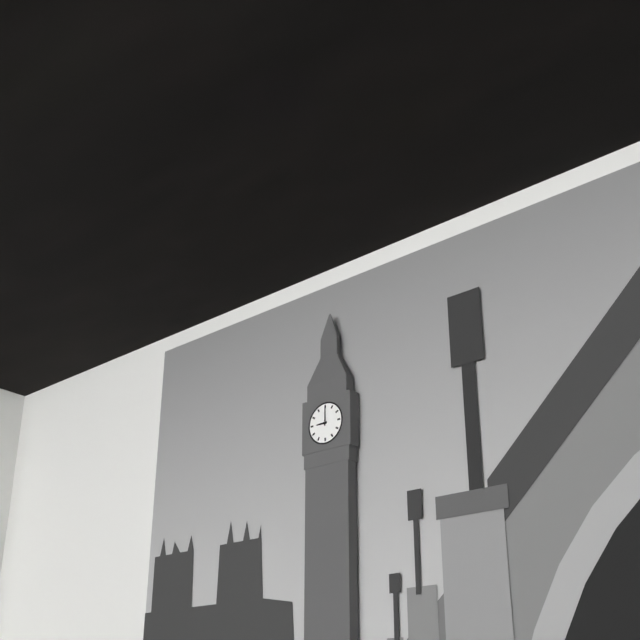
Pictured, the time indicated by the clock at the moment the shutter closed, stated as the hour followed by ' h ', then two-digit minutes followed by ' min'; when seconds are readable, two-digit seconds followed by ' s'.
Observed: 9 h 00 min
